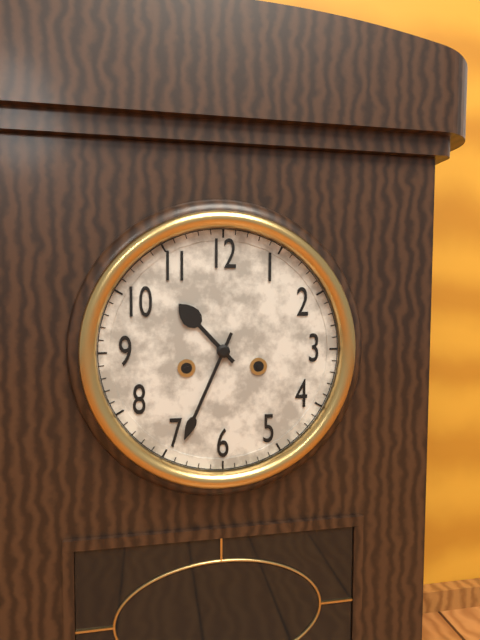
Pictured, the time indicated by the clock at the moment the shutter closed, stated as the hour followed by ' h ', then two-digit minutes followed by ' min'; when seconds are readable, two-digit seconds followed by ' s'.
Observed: 10 h 34 min
